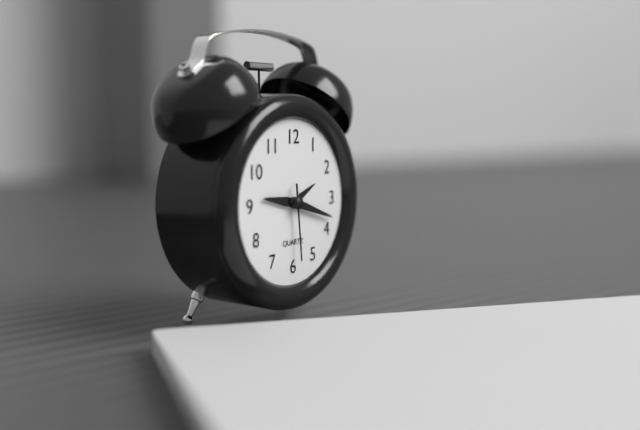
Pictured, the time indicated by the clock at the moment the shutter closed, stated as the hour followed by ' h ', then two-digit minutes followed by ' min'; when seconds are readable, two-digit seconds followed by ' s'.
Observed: 9 h 18 min 29 s
